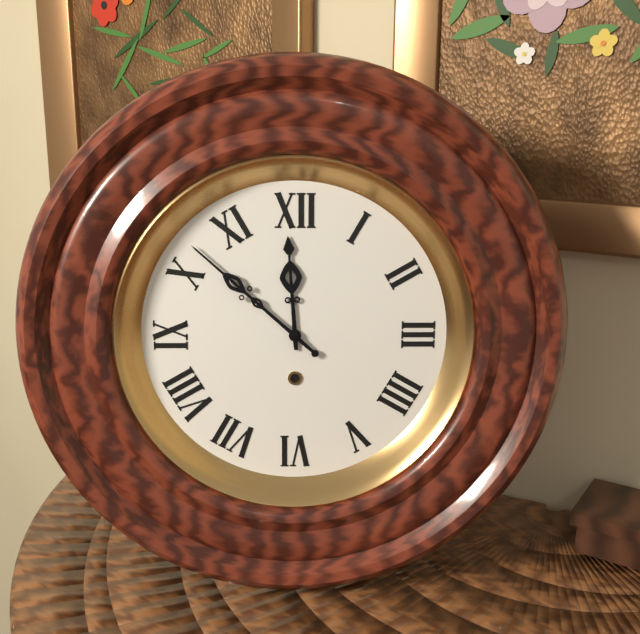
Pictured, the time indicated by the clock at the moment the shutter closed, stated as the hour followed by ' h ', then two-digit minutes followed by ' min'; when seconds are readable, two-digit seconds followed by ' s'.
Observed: 11 h 52 min
